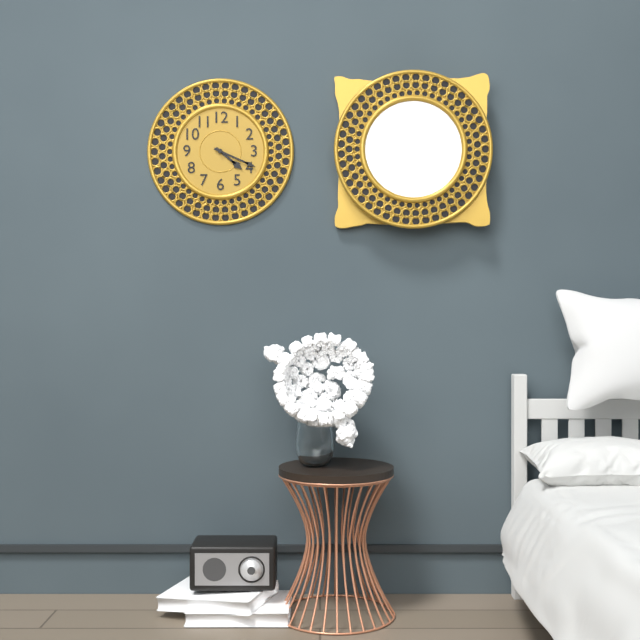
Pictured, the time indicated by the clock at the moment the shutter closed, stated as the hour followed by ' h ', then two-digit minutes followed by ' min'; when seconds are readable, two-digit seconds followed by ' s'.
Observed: 4 h 19 min
